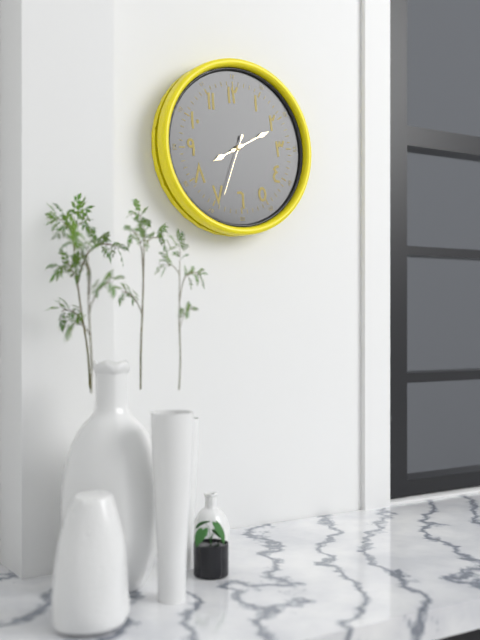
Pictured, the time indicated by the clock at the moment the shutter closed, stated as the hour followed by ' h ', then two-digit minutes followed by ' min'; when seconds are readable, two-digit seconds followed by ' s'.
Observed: 8 h 11 min 34 s
